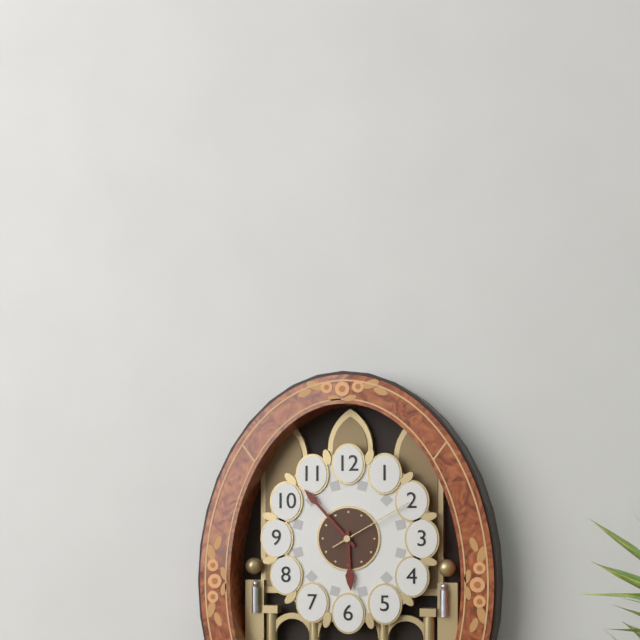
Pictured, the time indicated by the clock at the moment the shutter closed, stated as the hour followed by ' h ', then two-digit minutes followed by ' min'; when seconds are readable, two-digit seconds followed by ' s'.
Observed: 5 h 53 min 10 s
